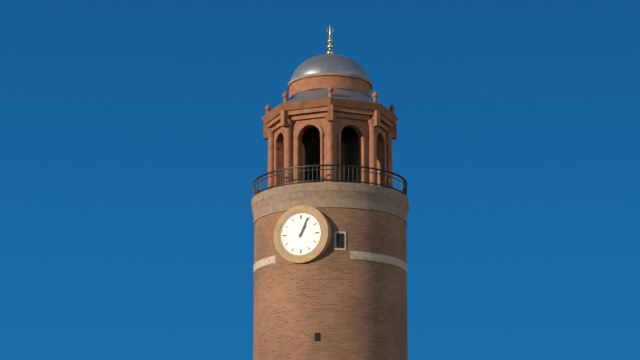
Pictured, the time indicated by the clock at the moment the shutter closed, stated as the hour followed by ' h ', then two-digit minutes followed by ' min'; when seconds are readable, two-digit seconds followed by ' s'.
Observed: 1 h 04 min
